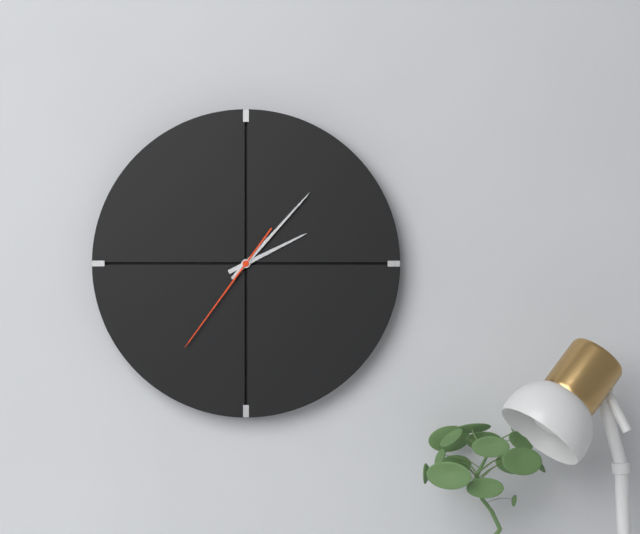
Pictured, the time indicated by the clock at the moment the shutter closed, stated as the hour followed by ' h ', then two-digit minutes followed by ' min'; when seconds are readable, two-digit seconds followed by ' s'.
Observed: 2 h 07 min 36 s
